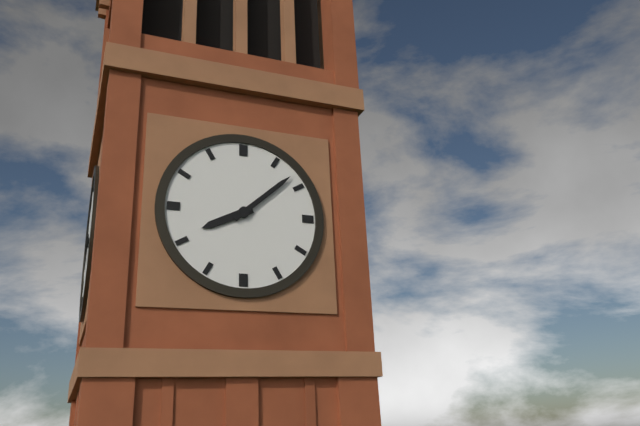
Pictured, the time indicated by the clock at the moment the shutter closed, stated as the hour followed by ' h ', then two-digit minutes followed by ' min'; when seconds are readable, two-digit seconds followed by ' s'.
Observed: 8 h 08 min
